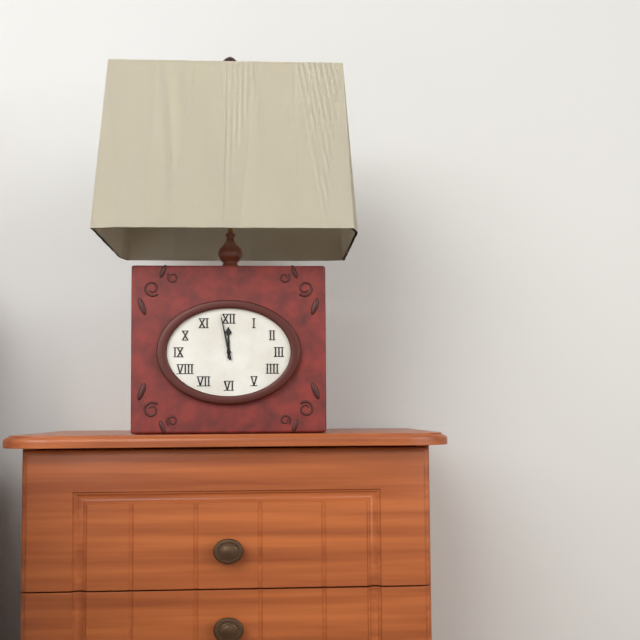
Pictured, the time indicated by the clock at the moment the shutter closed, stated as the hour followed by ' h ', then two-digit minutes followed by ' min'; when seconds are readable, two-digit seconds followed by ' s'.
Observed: 11 h 58 min
